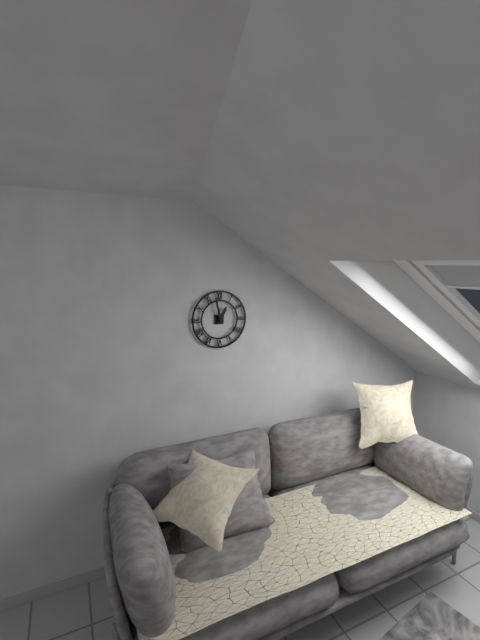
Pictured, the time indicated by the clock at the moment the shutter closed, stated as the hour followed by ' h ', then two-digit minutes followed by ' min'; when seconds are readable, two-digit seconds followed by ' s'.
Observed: 12 h 58 min
